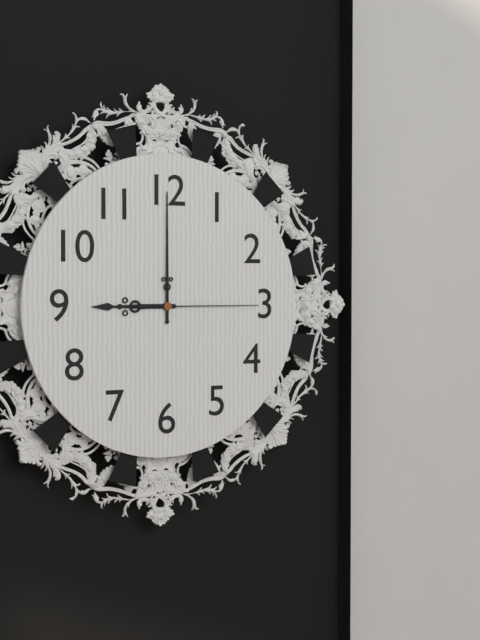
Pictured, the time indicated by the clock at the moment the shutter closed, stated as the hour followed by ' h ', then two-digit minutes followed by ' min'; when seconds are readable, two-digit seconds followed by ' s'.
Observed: 9 h 00 min 15 s
